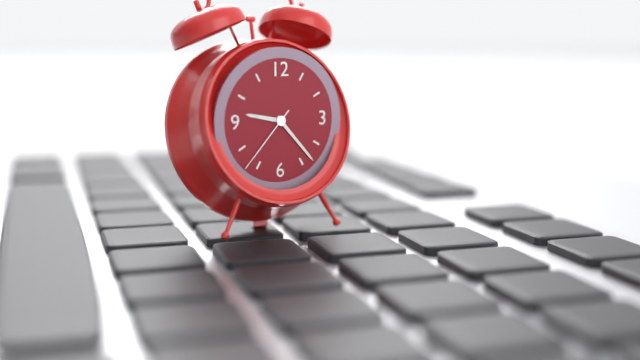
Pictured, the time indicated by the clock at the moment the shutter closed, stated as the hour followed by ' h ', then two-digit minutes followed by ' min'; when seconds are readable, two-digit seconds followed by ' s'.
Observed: 9 h 23 min 37 s
